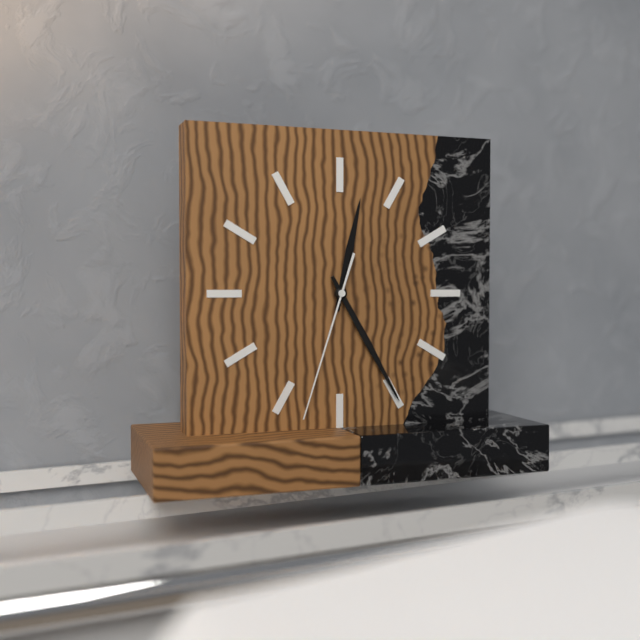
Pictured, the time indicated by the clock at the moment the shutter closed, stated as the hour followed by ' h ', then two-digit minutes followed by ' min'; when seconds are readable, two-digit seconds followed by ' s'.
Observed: 12 h 25 min 33 s
